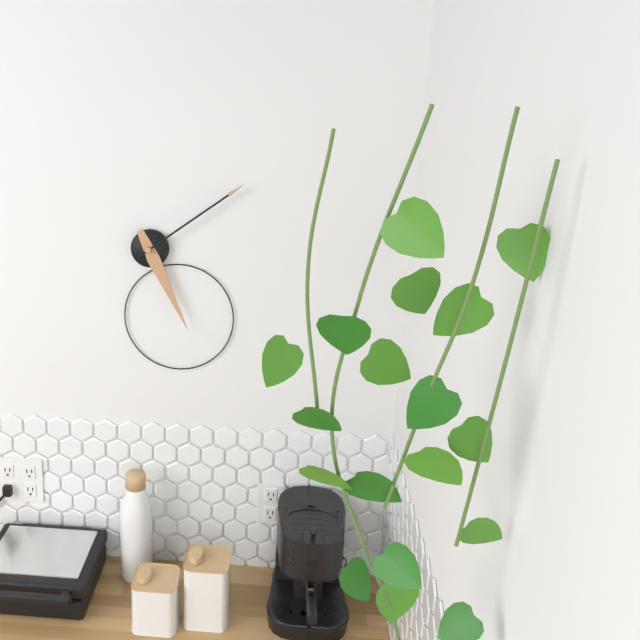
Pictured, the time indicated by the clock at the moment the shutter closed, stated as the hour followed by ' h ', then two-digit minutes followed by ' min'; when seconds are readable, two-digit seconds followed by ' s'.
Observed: 5 h 09 min
